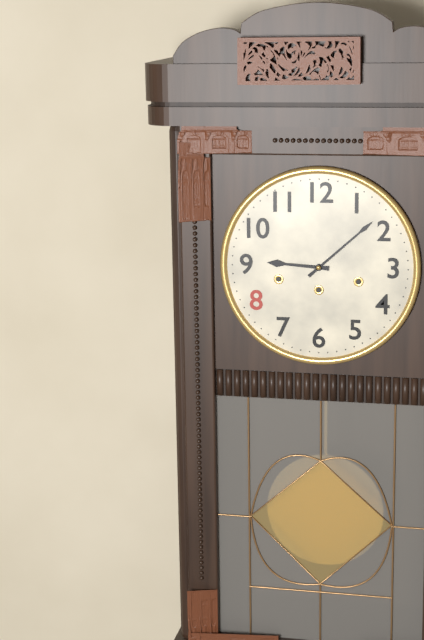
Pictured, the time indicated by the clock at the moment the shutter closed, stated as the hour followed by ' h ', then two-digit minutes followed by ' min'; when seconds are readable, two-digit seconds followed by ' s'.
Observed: 9 h 08 min
